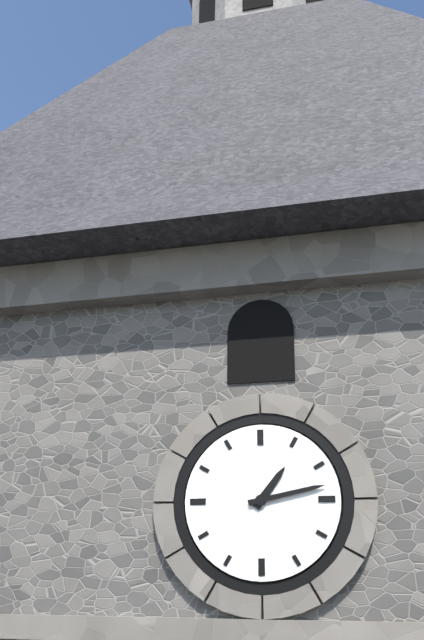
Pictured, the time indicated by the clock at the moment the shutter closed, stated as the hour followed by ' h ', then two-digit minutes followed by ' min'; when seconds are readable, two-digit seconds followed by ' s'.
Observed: 1 h 13 min
